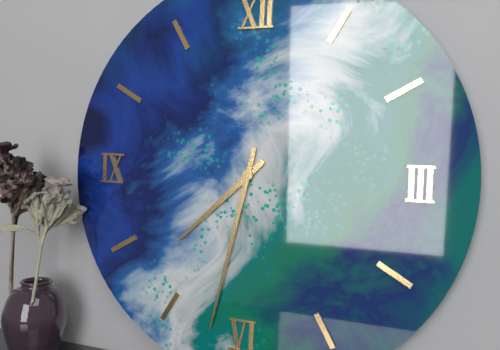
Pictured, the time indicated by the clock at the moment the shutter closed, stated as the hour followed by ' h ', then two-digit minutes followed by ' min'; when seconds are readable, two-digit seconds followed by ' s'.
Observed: 7 h 32 min
